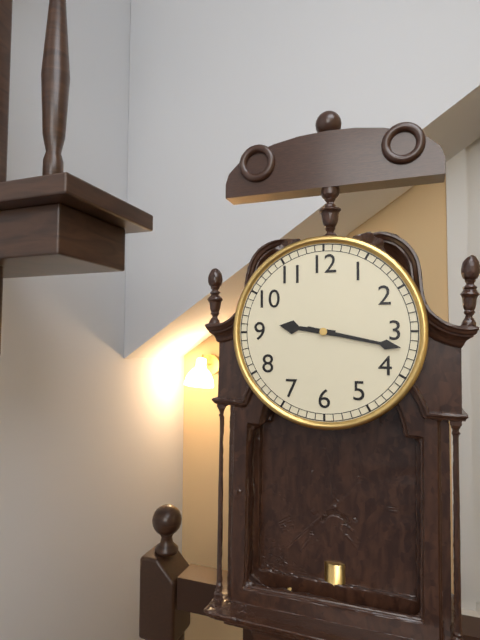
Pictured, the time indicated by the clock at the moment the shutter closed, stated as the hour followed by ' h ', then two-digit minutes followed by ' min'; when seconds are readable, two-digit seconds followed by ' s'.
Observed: 9 h 17 min
